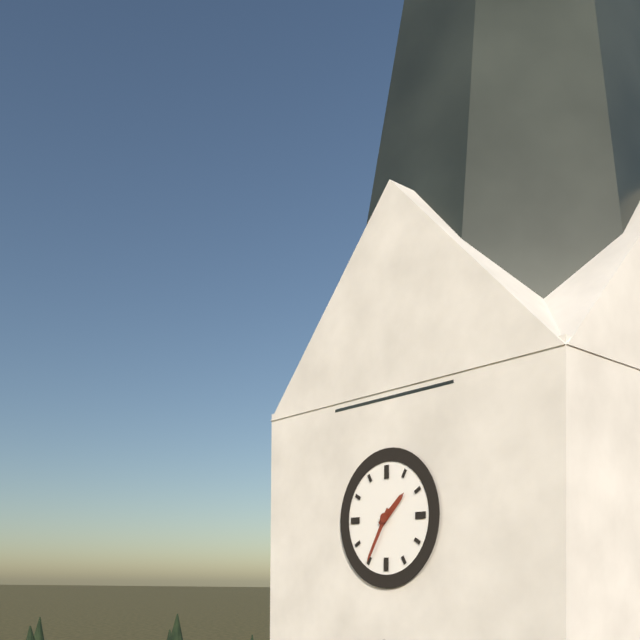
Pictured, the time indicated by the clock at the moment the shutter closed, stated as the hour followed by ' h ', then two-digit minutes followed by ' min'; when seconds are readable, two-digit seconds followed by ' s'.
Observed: 1 h 35 min
